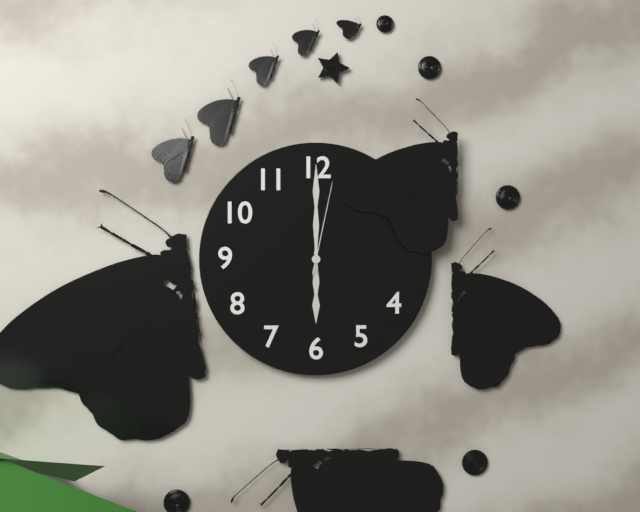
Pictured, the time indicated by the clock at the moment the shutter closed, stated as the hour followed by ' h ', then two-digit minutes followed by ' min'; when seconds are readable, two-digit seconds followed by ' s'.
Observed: 6 h 00 min 02 s
